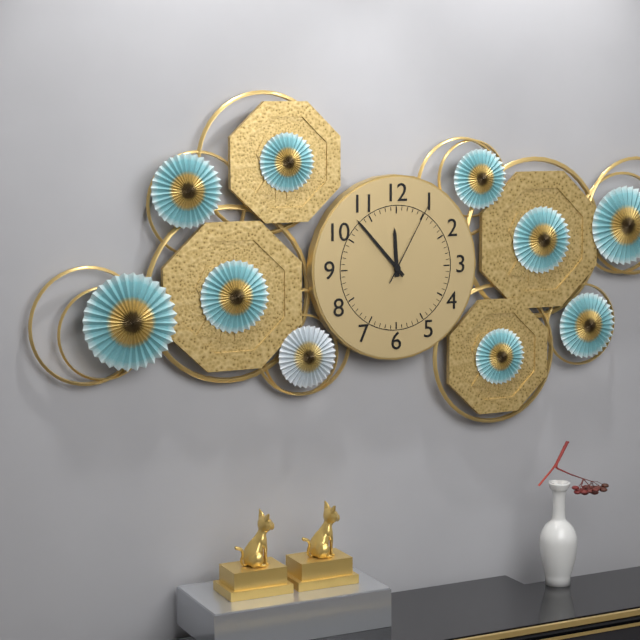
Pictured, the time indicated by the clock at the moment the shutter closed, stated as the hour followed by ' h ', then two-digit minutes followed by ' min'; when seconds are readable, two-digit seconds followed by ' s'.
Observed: 11 h 53 min 05 s
